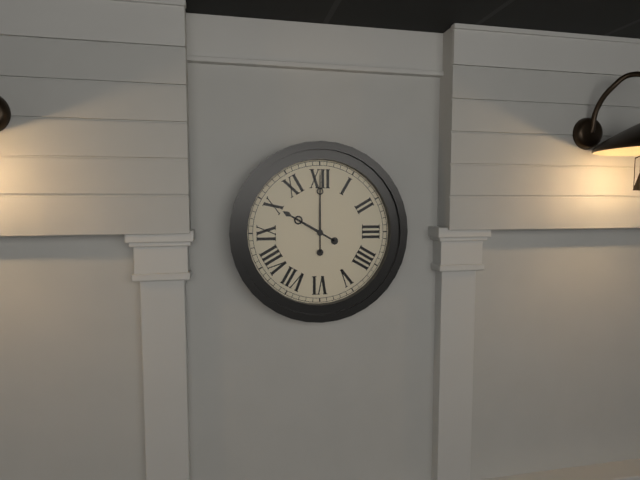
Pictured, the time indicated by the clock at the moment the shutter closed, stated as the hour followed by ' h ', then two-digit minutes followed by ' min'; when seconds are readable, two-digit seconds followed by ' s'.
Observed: 10 h 00 min
